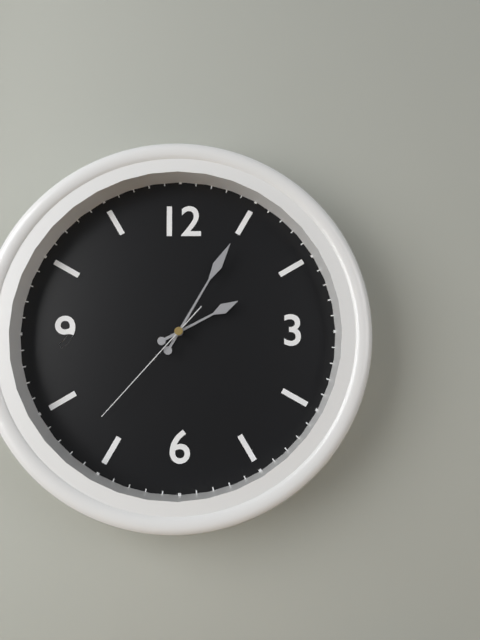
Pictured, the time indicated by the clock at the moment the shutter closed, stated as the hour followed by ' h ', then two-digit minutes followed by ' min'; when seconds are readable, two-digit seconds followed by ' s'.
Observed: 2 h 05 min 37 s
